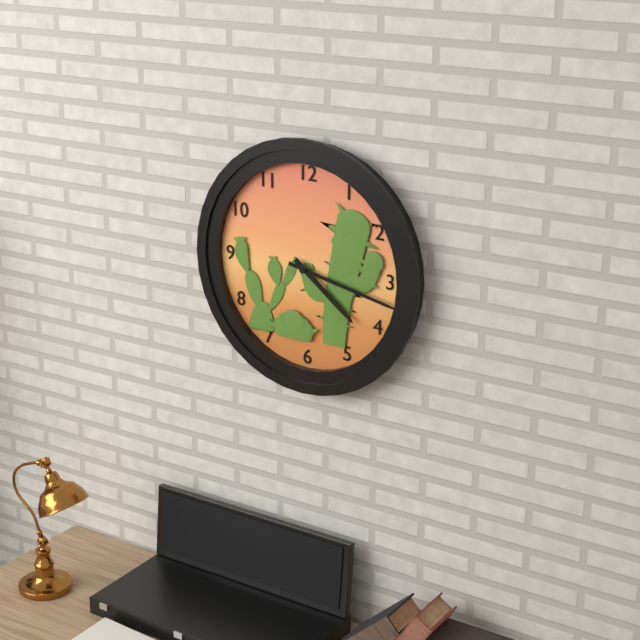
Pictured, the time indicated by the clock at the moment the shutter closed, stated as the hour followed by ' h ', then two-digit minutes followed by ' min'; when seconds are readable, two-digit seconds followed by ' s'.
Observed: 4 h 17 min
